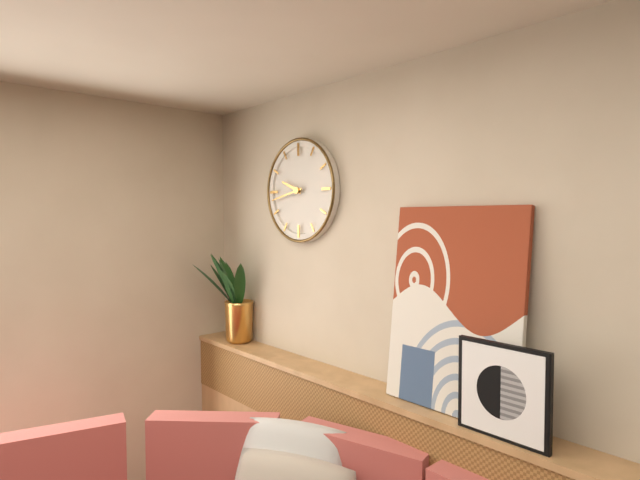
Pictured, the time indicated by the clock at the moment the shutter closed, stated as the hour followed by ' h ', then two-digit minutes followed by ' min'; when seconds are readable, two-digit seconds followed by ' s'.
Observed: 9 h 43 min
